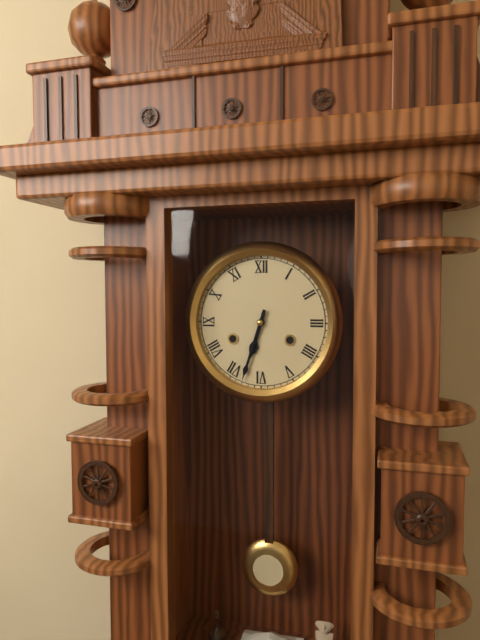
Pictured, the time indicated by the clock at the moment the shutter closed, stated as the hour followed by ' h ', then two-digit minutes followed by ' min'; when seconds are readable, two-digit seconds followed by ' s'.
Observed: 6 h 33 min
